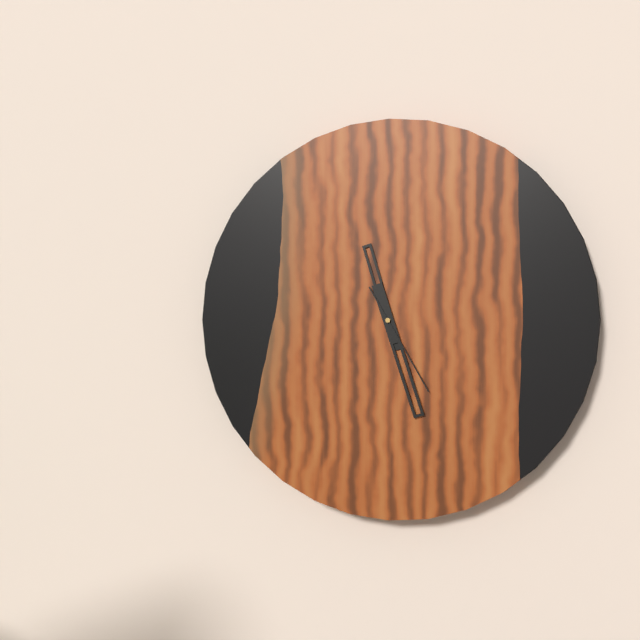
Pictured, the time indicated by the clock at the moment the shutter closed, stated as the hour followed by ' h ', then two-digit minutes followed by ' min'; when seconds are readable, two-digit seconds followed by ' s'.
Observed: 11 h 27 min 25 s
